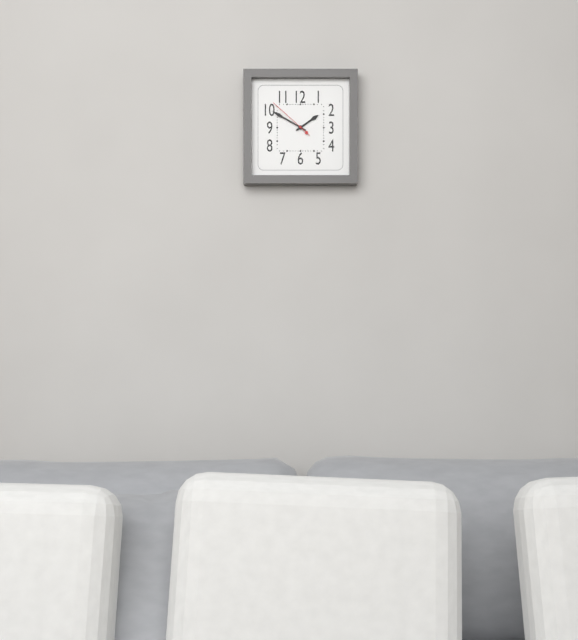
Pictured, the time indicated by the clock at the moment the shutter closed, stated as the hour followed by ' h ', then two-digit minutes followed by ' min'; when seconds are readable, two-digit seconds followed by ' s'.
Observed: 1 h 50 min
